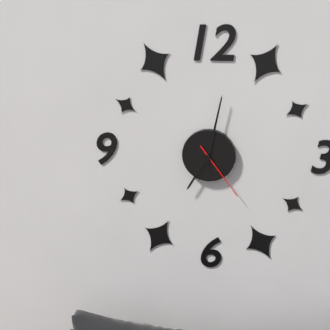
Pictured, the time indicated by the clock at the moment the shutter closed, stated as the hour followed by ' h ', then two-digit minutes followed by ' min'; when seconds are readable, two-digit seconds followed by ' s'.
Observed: 7 h 02 min 24 s
